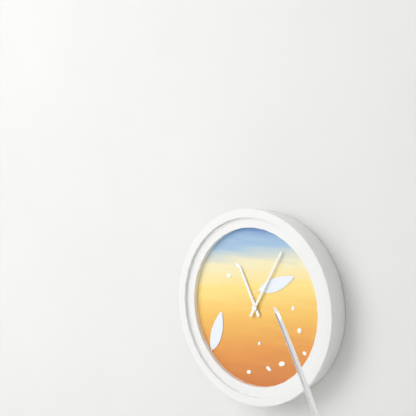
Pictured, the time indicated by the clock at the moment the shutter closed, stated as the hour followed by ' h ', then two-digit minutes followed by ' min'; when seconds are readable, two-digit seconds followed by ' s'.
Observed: 11 h 05 min
